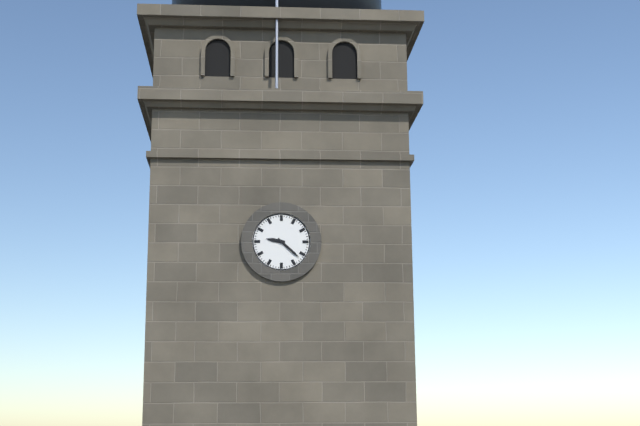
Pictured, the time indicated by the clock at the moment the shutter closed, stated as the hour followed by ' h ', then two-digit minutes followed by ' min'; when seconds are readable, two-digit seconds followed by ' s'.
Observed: 9 h 22 min
